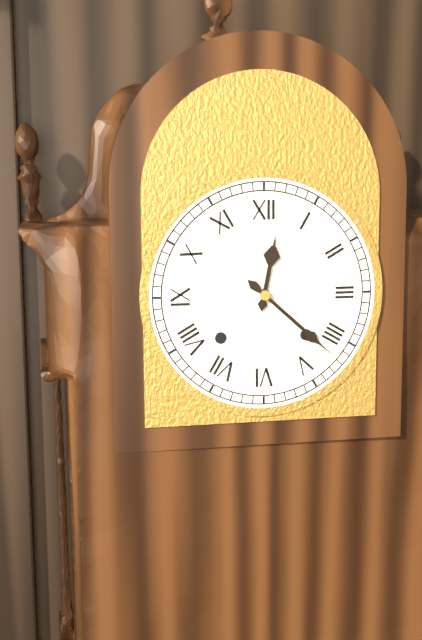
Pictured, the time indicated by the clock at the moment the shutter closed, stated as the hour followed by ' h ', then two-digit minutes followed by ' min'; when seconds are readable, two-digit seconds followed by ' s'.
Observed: 12 h 22 min
